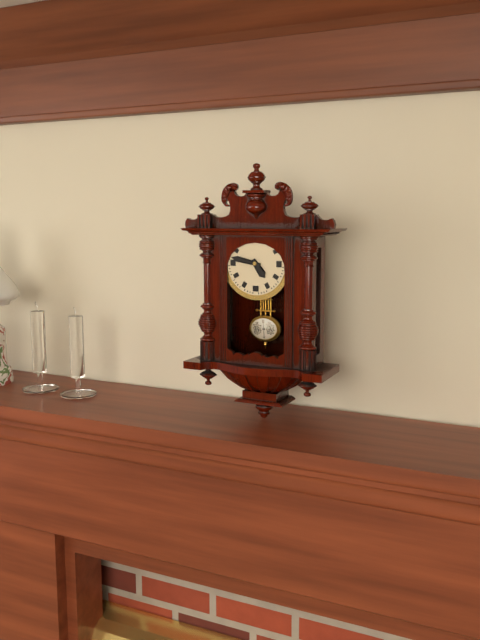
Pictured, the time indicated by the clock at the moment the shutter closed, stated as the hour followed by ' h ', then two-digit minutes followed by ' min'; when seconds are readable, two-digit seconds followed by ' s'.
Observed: 4 h 47 min
